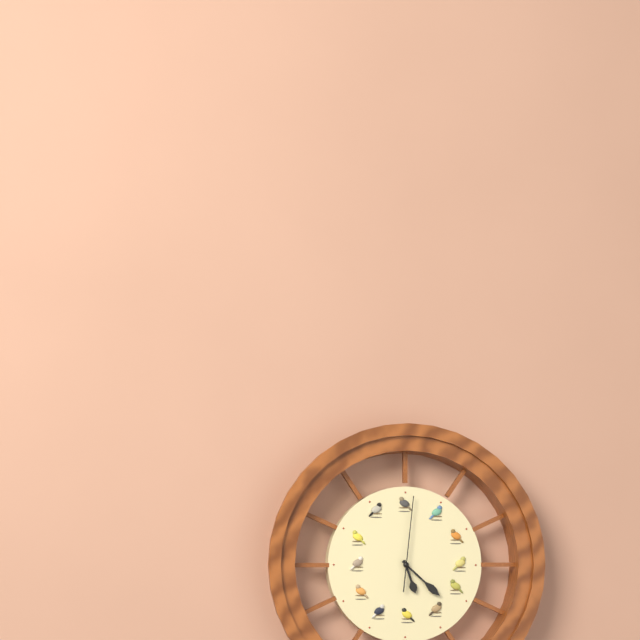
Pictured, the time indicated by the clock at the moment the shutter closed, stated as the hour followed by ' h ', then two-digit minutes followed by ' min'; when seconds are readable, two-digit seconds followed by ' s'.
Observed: 5 h 22 min 01 s
